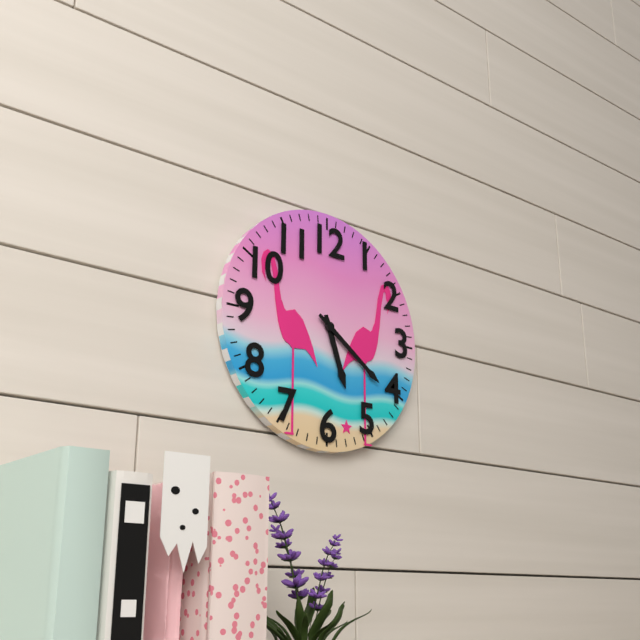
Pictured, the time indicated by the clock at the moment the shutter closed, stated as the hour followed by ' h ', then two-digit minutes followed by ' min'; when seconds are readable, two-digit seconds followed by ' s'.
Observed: 5 h 21 min
